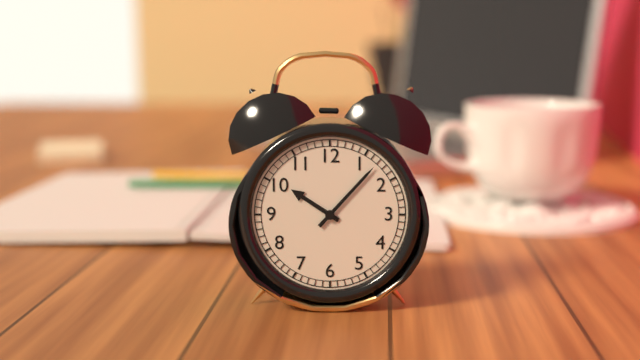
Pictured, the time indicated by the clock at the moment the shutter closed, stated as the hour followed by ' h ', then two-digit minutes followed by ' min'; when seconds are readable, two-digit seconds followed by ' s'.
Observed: 10 h 07 min
